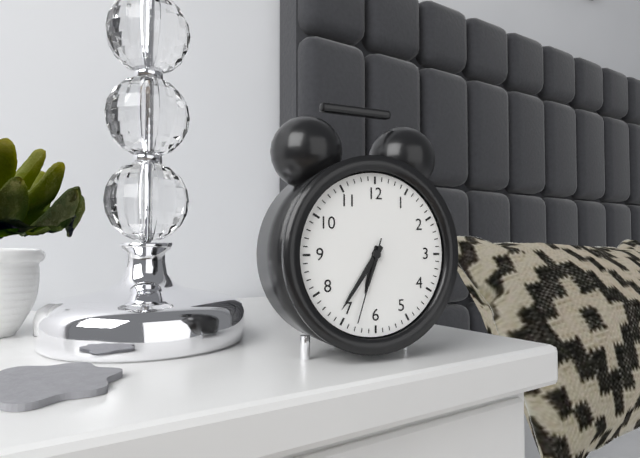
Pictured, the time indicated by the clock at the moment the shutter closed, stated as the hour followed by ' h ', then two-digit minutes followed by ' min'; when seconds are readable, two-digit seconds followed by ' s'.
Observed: 6 h 36 min 33 s
